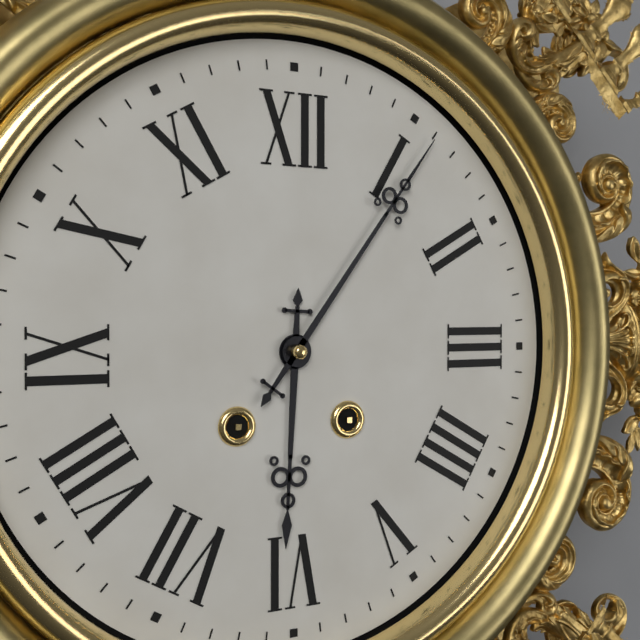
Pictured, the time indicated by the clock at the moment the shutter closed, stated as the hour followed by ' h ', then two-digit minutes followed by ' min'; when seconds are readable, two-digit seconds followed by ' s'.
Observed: 6 h 06 min
